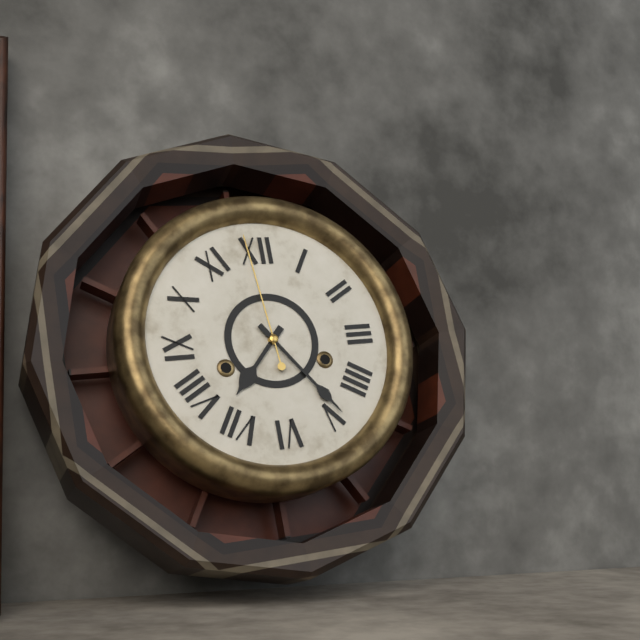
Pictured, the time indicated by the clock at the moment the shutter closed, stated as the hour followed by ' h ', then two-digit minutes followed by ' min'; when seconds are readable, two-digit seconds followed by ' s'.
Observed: 7 h 24 min 59 s
